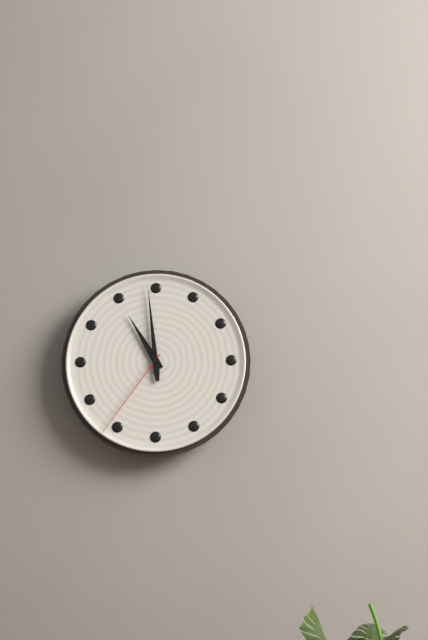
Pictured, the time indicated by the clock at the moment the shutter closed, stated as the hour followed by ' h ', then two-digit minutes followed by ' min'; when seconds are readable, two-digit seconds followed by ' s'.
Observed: 10 h 59 min 36 s
